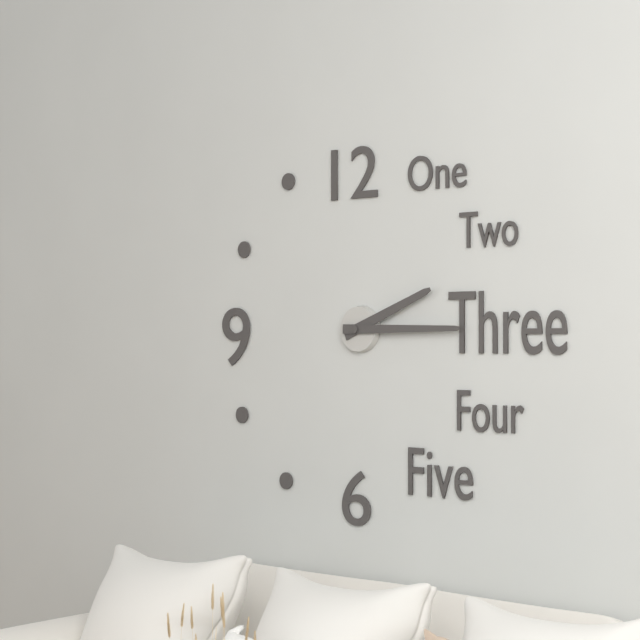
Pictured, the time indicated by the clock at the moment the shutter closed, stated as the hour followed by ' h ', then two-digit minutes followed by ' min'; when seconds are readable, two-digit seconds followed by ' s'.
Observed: 2 h 15 min
